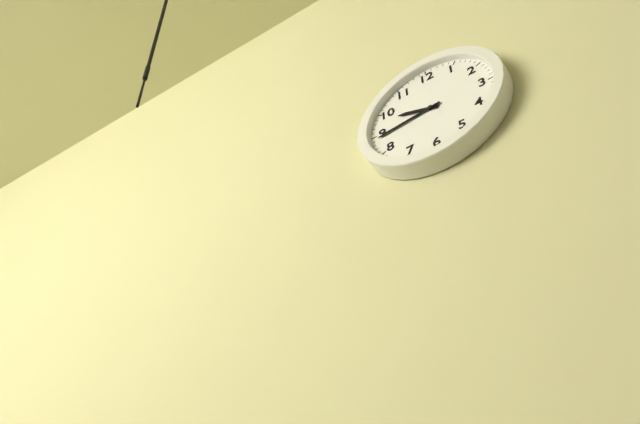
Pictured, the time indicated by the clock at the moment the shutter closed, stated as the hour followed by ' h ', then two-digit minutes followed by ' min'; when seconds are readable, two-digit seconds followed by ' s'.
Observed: 9 h 44 min
